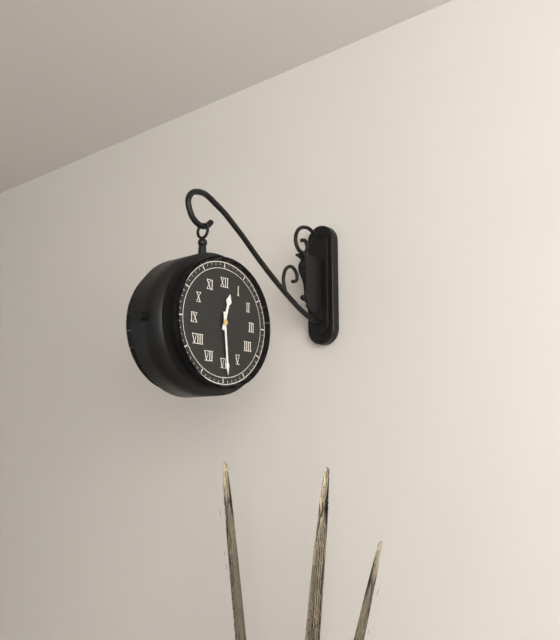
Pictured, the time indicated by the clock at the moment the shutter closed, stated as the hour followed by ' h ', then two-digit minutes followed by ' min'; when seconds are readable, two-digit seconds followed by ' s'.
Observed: 12 h 29 min
